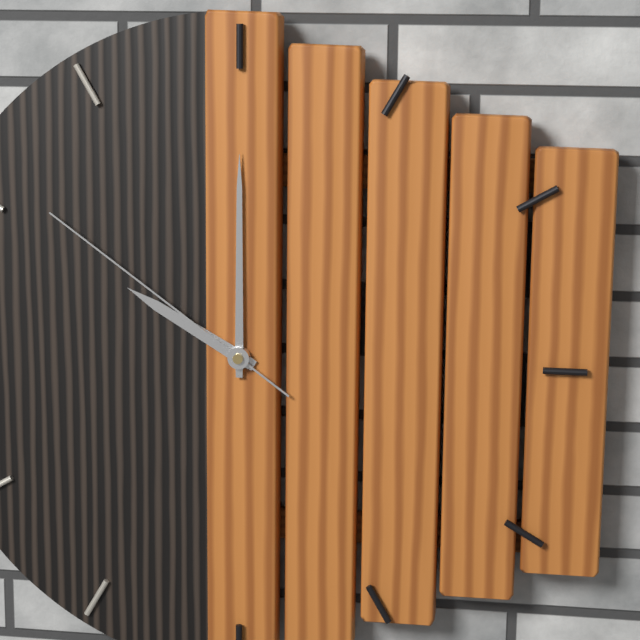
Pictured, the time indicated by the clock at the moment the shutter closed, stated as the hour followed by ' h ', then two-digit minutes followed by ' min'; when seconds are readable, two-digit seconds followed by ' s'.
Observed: 10 h 00 min 51 s
